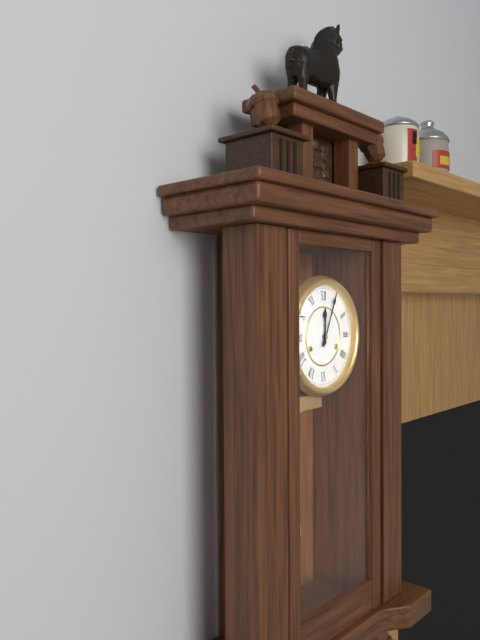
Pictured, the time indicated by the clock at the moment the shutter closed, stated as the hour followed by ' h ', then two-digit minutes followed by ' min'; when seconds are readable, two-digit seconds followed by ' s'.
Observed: 12 h 04 min
